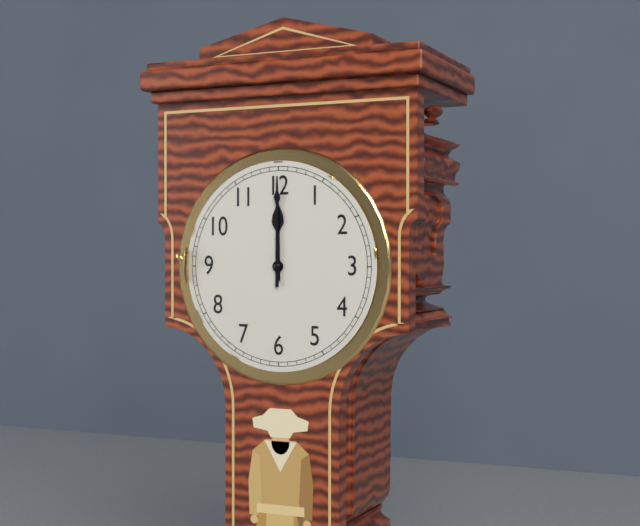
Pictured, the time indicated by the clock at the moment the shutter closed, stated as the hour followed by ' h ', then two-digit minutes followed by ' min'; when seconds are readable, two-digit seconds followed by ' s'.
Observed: 12 h 00 min
